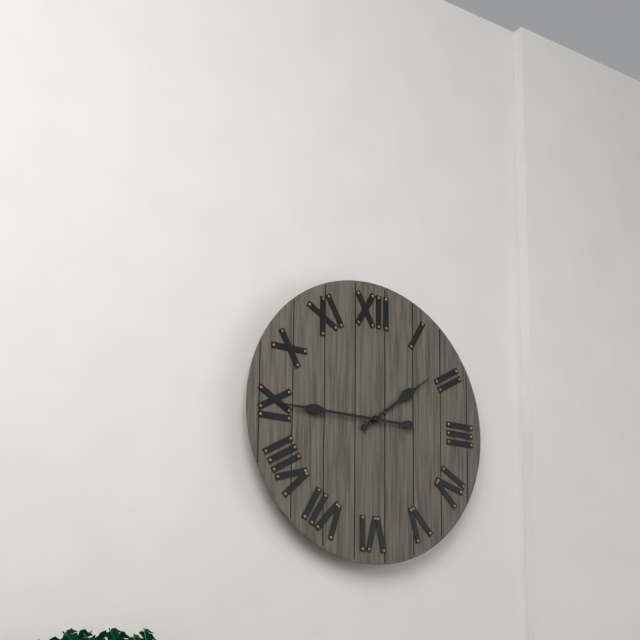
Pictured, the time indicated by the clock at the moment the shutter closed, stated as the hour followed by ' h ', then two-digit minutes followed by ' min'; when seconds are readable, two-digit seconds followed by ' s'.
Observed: 1 h 45 min
